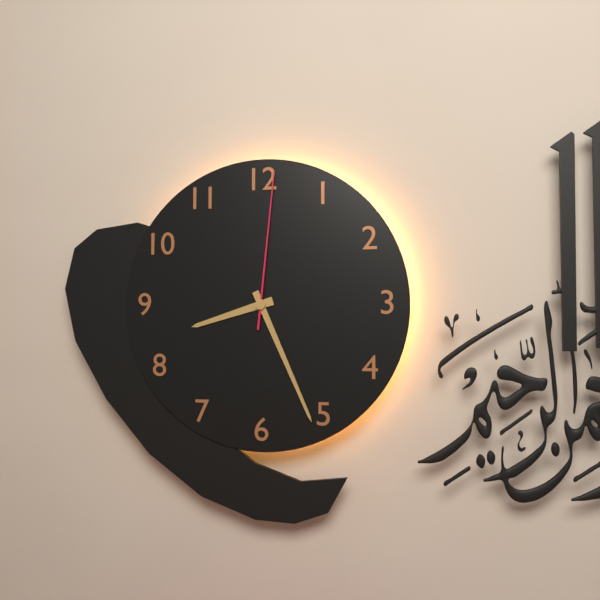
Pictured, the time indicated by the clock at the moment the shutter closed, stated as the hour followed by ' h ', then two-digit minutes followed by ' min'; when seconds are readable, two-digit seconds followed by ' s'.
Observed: 8 h 26 min 01 s
